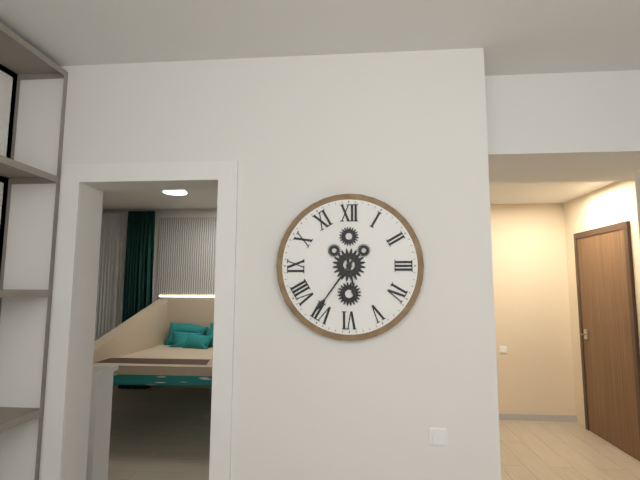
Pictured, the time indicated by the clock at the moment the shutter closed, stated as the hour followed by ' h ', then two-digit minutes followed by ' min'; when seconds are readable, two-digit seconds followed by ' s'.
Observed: 5 h 36 min
